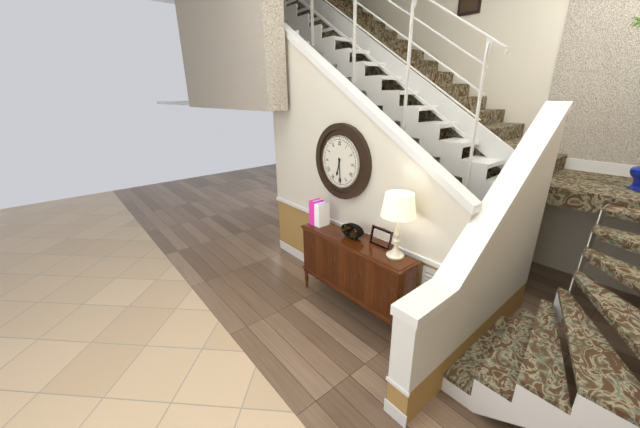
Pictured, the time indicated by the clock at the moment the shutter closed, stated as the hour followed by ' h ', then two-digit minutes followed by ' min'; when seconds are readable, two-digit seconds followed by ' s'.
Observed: 6 h 29 min
